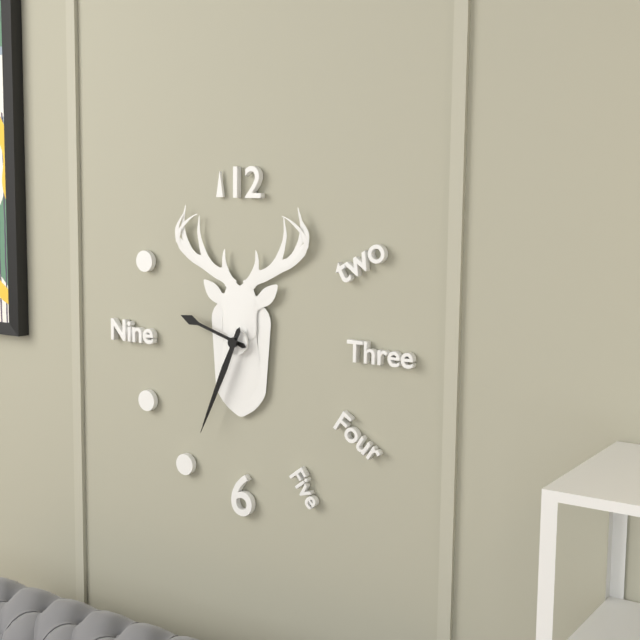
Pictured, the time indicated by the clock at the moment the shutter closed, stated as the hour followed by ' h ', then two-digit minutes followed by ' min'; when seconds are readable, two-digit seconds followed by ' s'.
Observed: 9 h 34 min
